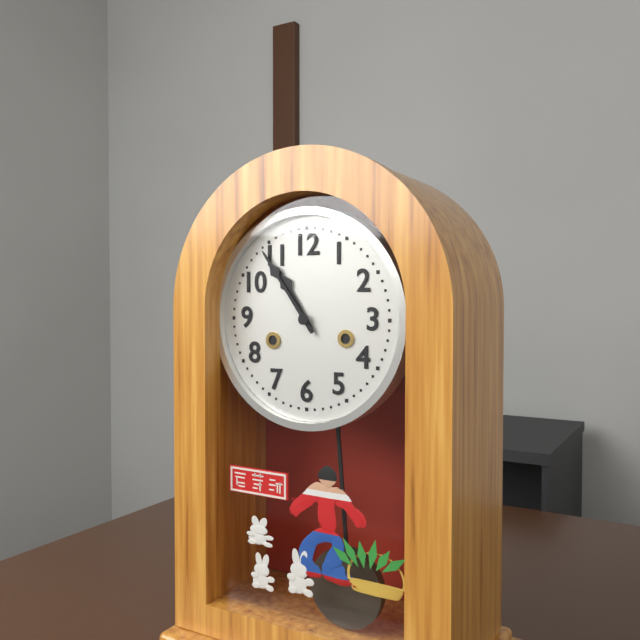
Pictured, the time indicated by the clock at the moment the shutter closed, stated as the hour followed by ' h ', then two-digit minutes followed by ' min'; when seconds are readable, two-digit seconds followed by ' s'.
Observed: 10 h 54 min
